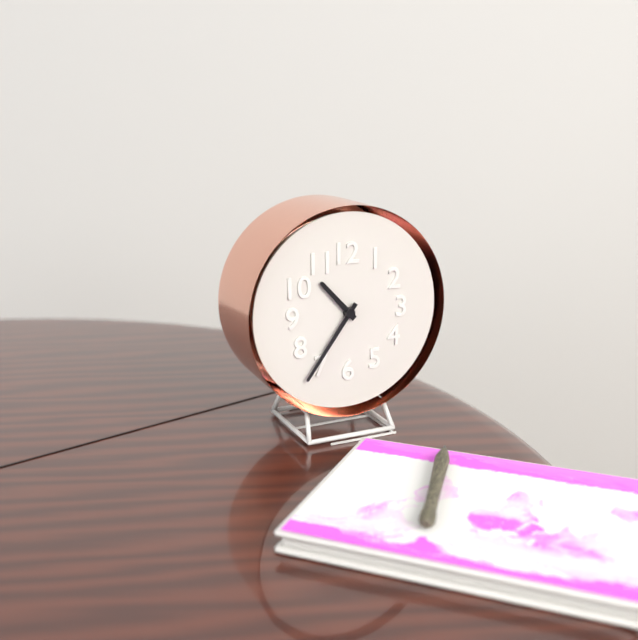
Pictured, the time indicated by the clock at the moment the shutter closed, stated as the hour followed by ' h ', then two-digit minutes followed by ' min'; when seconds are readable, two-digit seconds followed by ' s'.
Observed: 10 h 36 min
